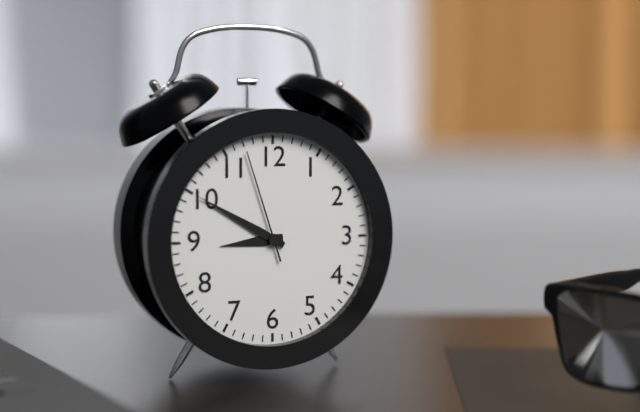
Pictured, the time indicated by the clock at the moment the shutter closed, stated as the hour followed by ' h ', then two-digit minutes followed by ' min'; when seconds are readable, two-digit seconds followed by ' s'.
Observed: 8 h 50 min 57 s
